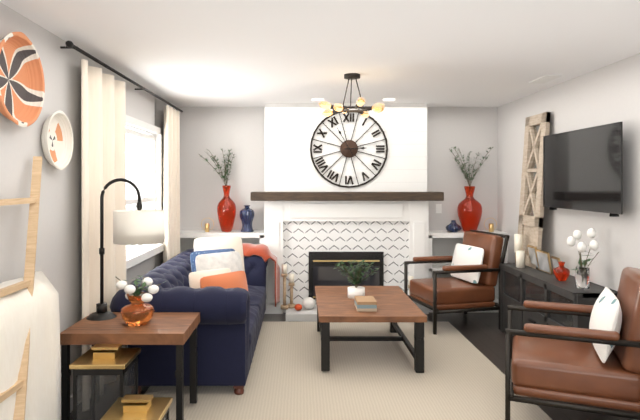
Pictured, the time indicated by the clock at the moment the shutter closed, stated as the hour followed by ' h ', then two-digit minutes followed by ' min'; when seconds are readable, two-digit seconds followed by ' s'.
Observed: 2 h 55 min
